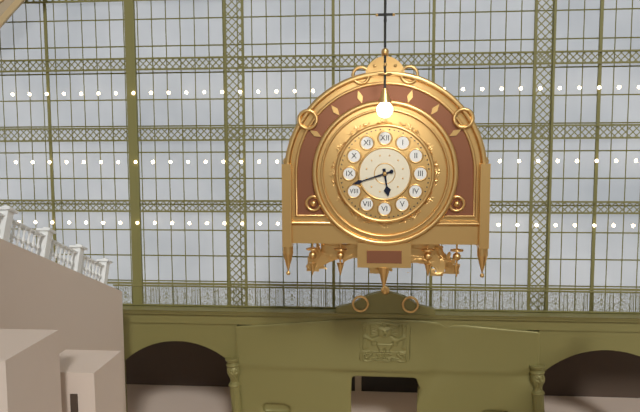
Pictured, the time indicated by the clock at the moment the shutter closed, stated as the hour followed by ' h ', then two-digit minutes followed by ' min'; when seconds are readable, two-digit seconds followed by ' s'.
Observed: 5 h 42 min
